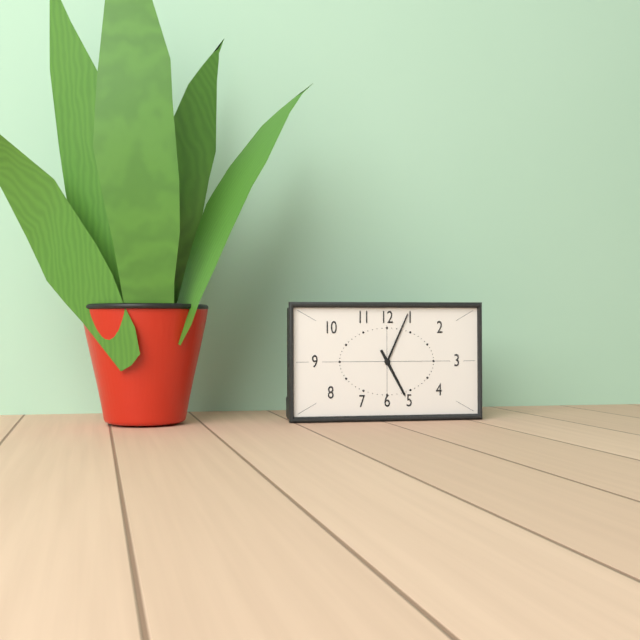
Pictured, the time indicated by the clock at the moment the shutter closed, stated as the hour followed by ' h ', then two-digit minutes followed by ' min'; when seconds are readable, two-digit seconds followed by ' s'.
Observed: 5 h 04 min
